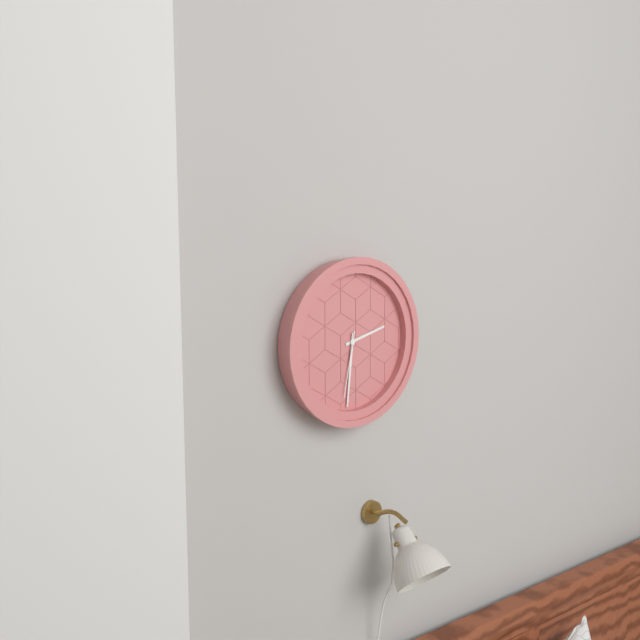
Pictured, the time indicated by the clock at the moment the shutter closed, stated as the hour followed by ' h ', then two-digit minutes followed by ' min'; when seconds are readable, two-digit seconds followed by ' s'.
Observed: 2 h 31 min 32 s
